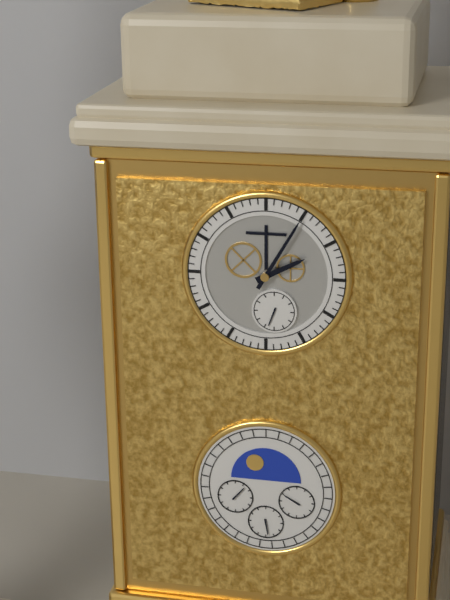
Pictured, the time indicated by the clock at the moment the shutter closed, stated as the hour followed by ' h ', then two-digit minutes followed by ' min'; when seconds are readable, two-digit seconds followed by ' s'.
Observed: 2 h 05 min
